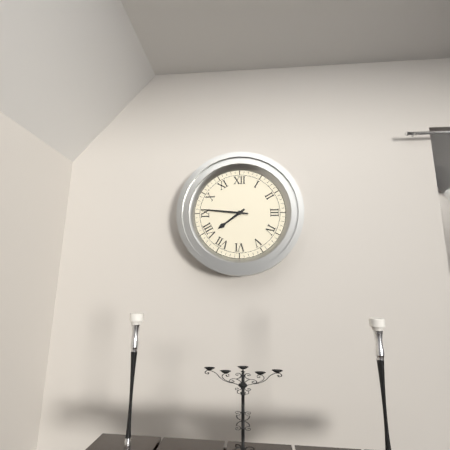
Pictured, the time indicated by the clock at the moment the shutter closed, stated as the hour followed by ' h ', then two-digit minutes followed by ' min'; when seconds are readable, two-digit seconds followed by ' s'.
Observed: 7 h 46 min
